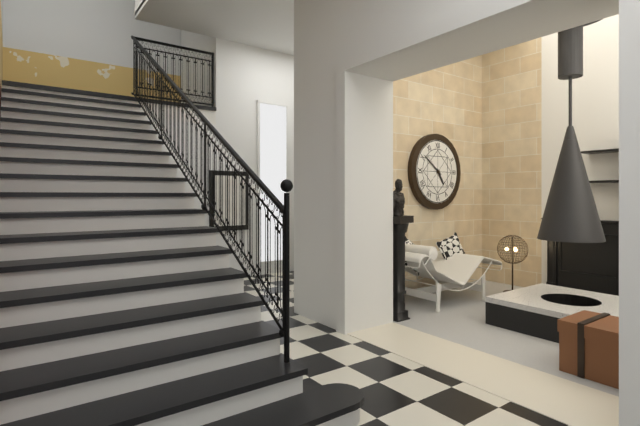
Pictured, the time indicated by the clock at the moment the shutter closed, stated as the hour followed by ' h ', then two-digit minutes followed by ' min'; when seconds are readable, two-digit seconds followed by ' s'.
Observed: 4 h 51 min
